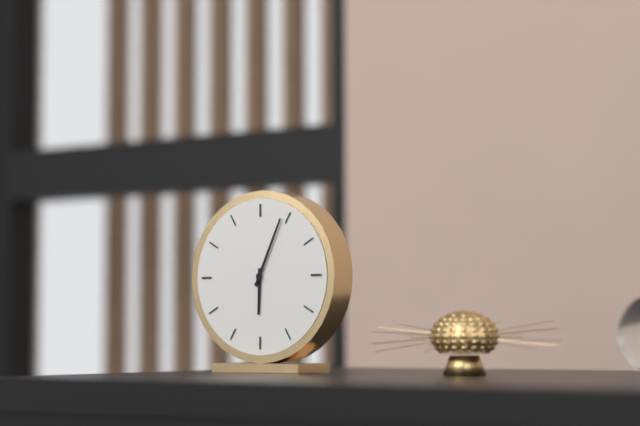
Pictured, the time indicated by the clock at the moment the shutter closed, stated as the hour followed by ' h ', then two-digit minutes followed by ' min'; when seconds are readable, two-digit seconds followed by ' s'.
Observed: 6 h 04 min
